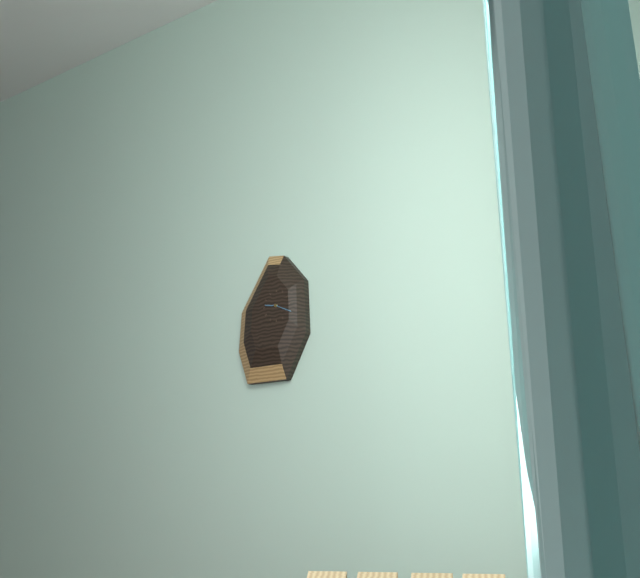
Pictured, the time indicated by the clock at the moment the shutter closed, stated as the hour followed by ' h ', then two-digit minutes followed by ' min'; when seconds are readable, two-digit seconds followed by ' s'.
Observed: 9 h 19 min
